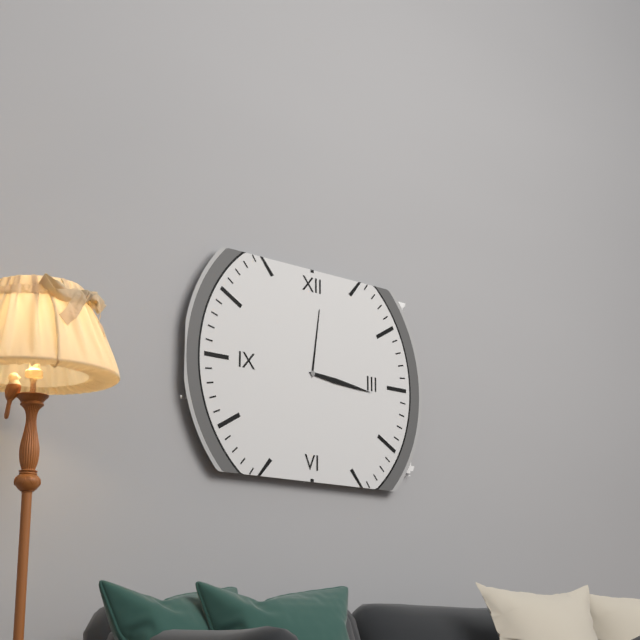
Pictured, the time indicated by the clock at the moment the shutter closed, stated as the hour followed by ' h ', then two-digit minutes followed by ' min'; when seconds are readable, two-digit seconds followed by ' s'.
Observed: 12 h 16 min
